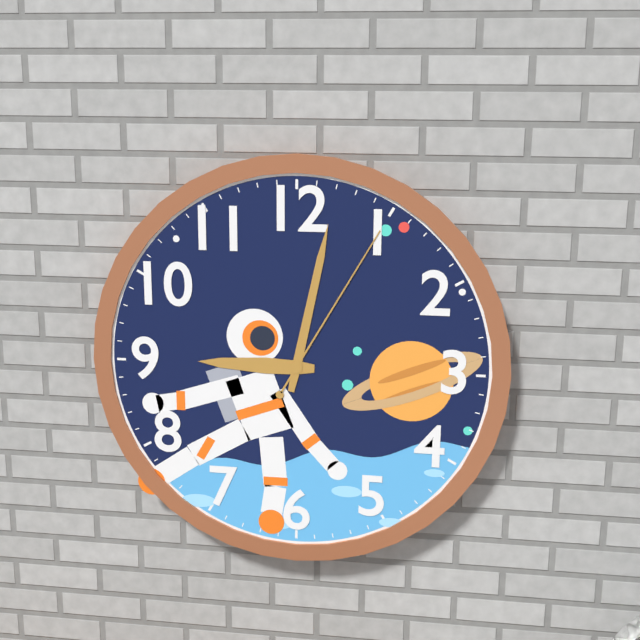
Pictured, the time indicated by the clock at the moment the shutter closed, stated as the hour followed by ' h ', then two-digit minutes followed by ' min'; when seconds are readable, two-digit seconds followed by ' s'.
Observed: 9 h 02 min 05 s
